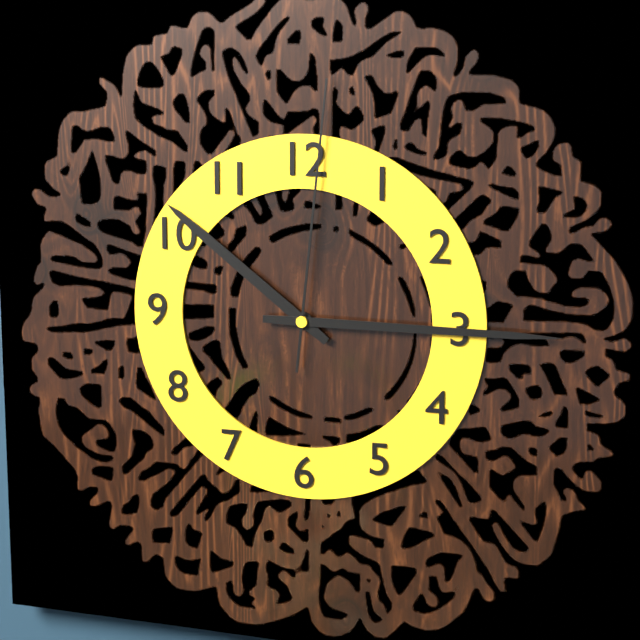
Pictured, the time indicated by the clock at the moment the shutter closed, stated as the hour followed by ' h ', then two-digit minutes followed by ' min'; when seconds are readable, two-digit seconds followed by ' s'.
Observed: 10 h 15 min 01 s
